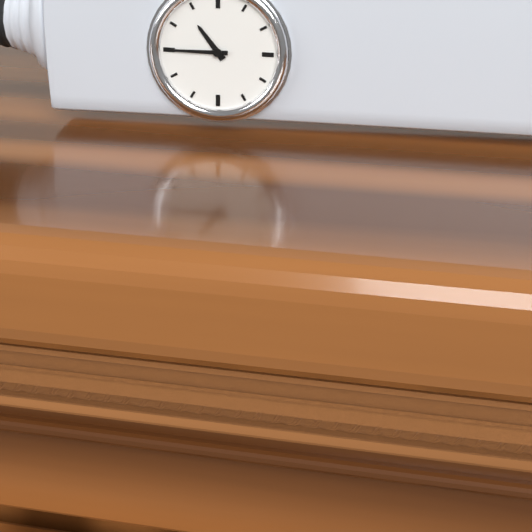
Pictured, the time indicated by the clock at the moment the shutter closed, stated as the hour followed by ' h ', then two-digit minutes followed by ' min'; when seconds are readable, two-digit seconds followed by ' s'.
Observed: 10 h 45 min
